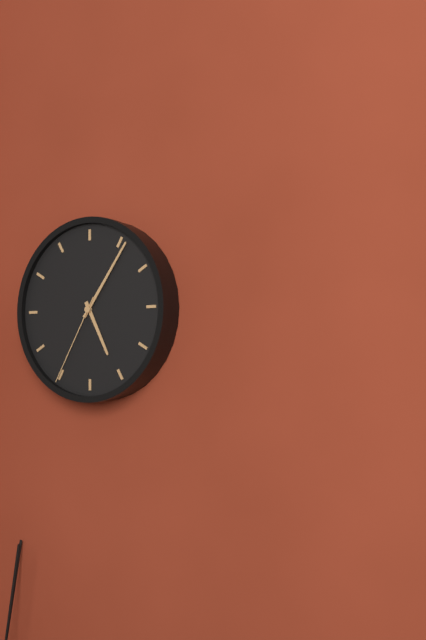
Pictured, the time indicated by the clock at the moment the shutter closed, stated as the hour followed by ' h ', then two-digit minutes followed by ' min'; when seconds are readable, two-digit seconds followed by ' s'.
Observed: 5 h 06 min 35 s
